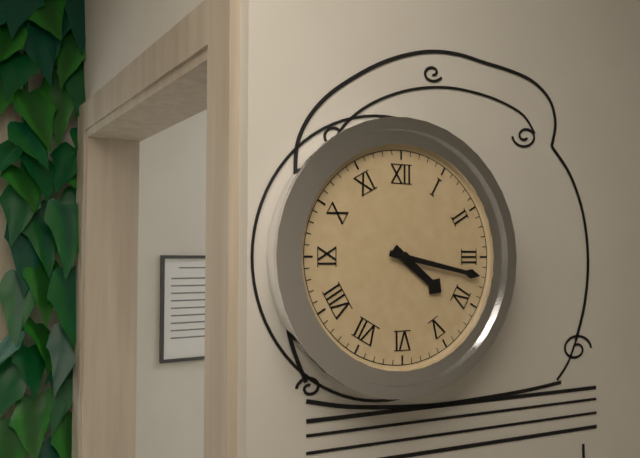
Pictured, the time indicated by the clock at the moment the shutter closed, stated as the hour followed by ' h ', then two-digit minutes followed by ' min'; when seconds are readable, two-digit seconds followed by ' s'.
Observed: 4 h 17 min
